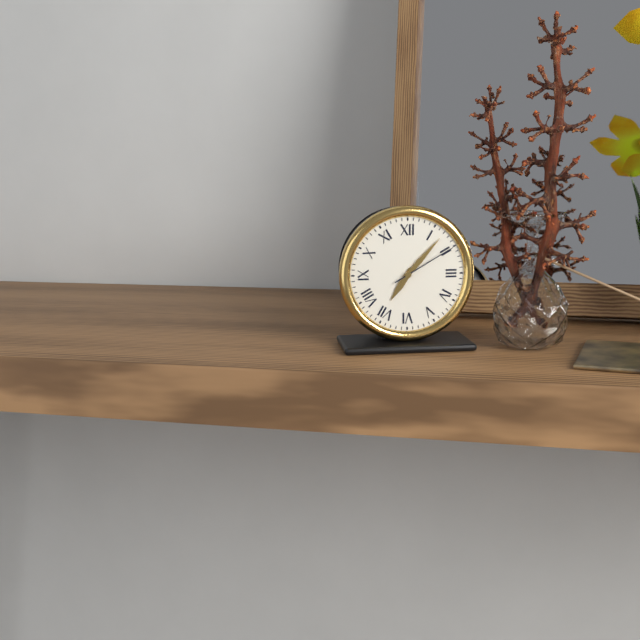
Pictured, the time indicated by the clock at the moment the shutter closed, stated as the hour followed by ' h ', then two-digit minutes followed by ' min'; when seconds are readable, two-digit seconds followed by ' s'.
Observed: 7 h 07 min 10 s
